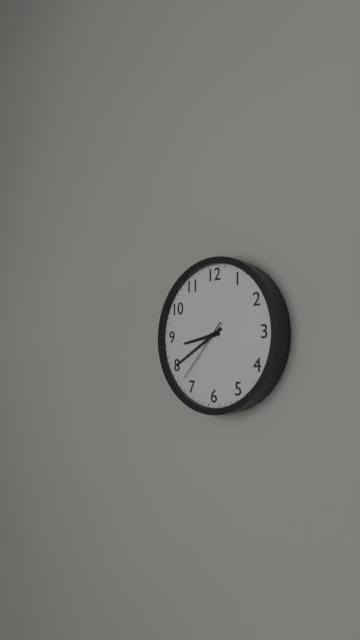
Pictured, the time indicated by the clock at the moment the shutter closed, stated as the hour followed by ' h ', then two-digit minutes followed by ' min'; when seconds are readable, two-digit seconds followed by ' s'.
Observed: 8 h 40 min 37 s
